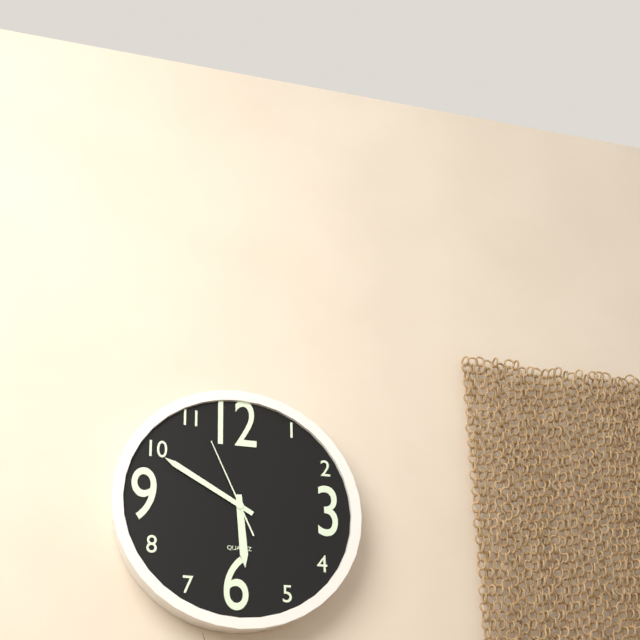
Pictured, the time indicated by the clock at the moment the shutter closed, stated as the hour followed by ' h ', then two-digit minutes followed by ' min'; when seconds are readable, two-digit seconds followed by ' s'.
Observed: 5 h 50 min 56 s
